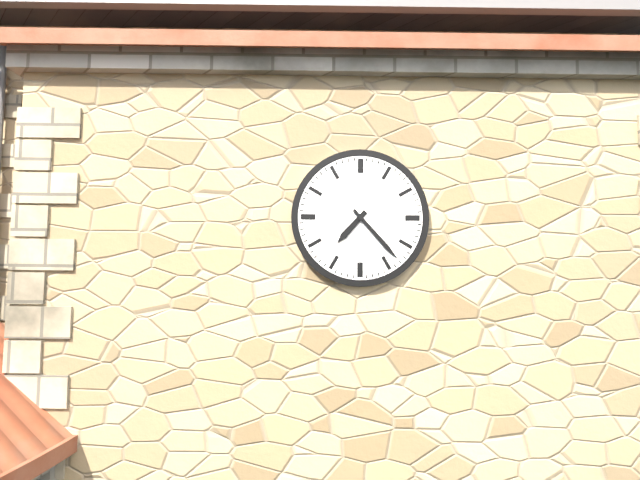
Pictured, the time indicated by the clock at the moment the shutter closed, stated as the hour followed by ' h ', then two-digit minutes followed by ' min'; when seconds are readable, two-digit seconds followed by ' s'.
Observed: 7 h 23 min
